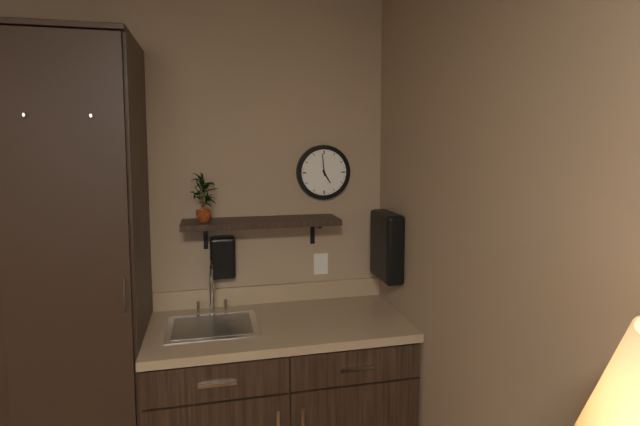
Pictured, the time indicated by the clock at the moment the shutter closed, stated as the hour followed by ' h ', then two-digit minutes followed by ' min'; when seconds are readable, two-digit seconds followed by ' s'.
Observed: 4 h 59 min
